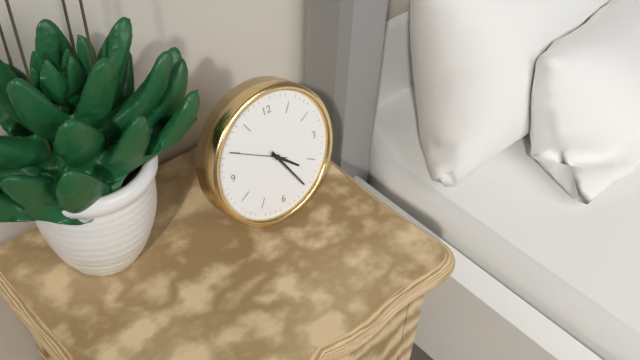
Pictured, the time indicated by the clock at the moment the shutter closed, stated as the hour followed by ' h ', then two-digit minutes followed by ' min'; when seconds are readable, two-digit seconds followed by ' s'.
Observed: 4 h 25 min 50 s
